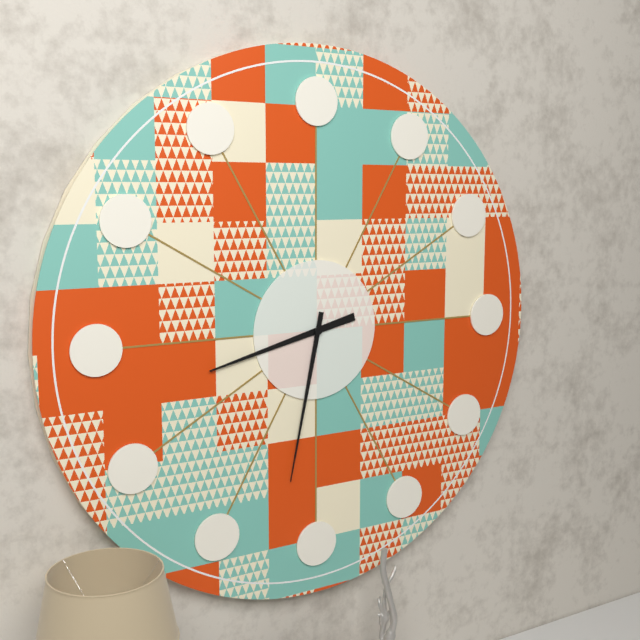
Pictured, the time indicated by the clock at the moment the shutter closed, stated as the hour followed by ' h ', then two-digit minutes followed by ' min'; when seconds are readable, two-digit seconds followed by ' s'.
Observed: 8 h 32 min
